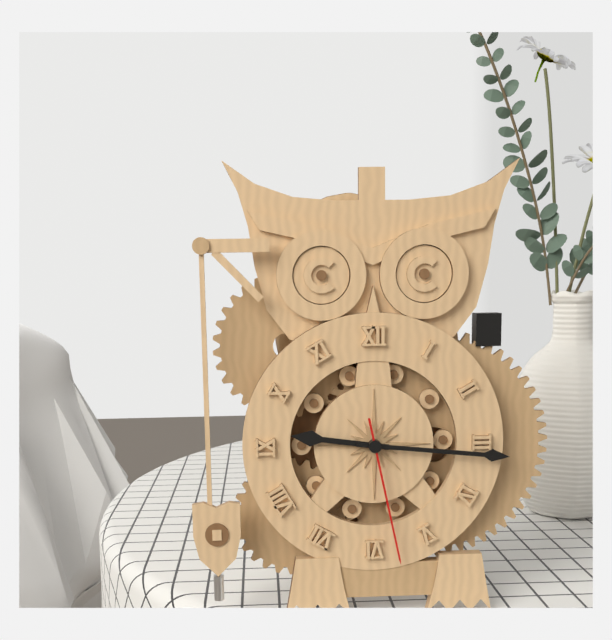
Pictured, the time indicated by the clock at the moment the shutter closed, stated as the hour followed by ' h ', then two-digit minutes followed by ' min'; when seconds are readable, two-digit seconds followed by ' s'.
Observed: 9 h 16 min 28 s
